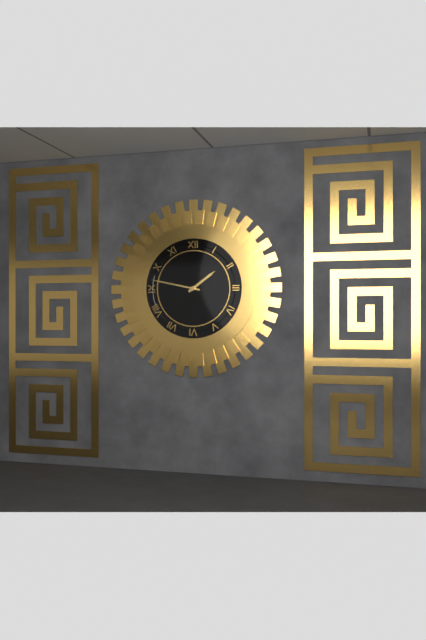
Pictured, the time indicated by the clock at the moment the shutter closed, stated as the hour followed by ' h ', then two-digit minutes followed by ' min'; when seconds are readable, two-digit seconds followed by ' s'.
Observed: 1 h 47 min
